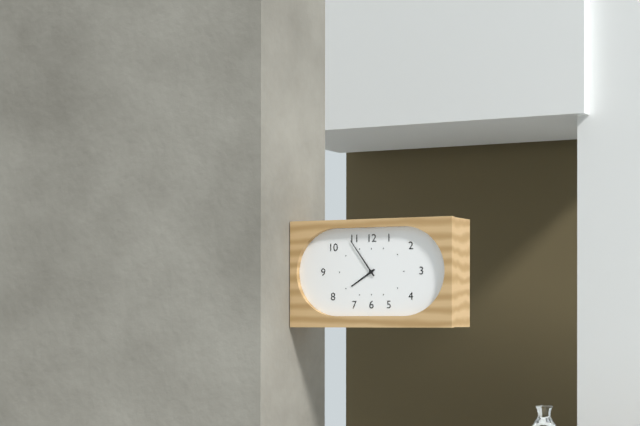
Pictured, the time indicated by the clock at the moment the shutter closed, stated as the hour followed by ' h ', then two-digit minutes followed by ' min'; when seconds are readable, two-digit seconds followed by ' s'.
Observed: 7 h 54 min
